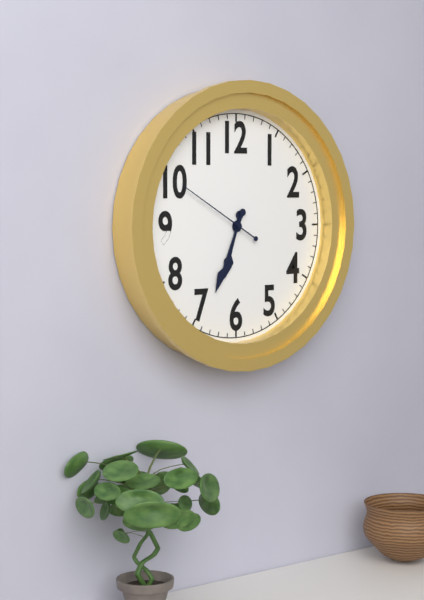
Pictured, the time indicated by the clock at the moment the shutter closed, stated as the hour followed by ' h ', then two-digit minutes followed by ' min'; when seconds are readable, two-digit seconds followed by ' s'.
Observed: 6 h 34 min 50 s
